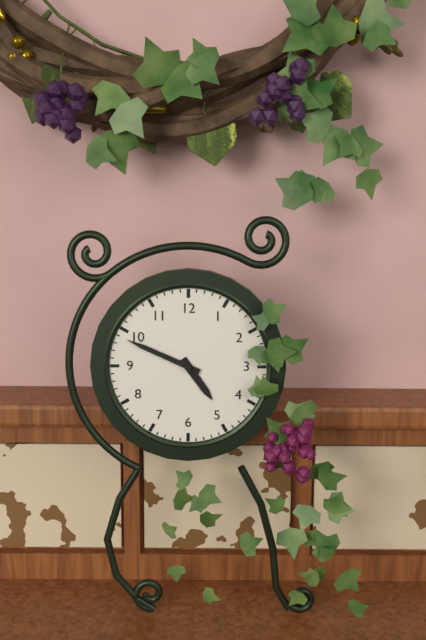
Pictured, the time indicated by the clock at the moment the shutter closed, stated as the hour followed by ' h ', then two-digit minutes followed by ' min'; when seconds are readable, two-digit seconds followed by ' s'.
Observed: 4 h 49 min
